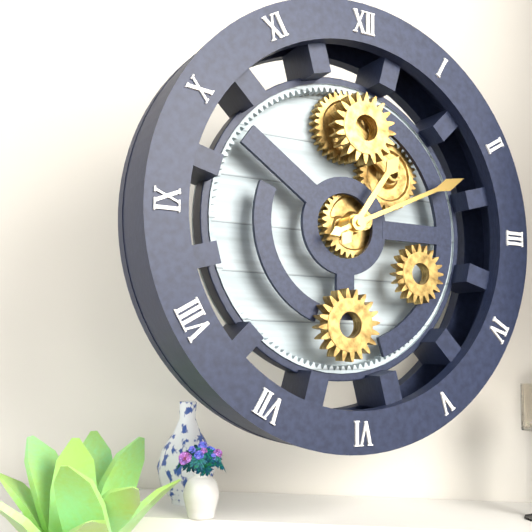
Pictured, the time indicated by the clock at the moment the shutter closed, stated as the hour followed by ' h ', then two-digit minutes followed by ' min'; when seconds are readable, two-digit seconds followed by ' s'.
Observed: 1 h 11 min
